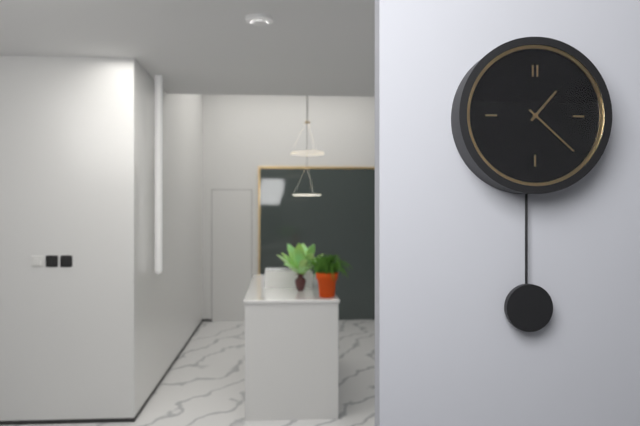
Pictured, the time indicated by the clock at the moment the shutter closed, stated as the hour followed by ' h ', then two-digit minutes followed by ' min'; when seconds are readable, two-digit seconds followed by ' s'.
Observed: 1 h 22 min
